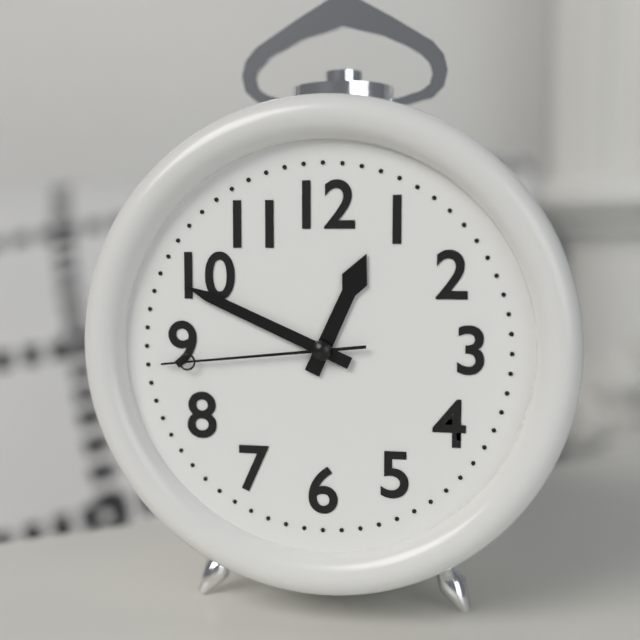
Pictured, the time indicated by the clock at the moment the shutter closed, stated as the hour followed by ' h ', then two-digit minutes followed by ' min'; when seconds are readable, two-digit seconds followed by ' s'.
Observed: 12 h 49 min 44 s
